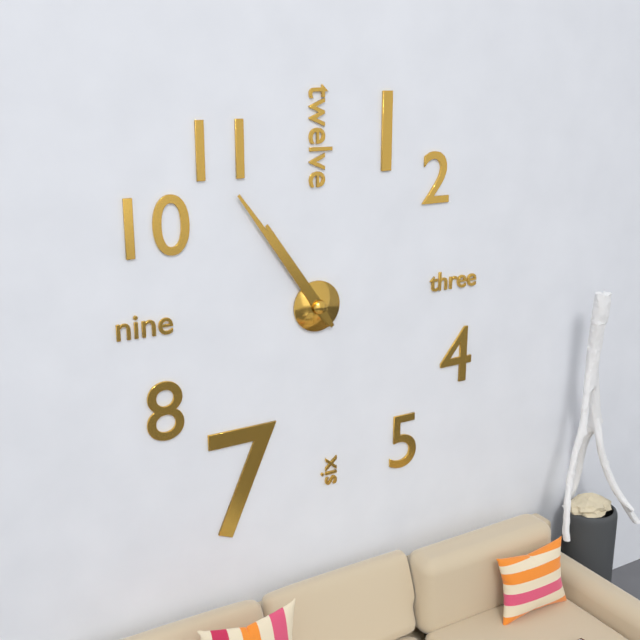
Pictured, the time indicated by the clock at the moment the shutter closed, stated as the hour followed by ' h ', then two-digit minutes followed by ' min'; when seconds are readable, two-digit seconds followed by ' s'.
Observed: 10 h 54 min
